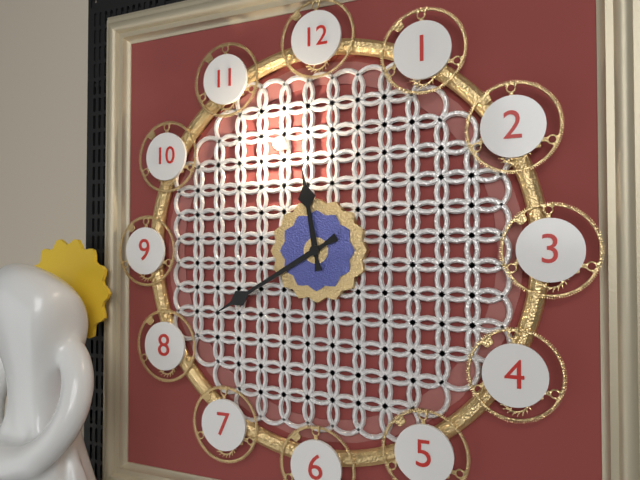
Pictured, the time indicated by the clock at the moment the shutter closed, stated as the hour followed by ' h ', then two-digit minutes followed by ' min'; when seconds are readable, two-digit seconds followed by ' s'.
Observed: 11 h 40 min
